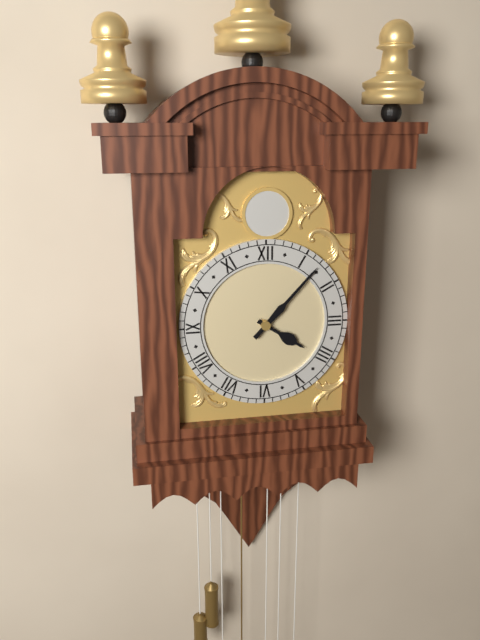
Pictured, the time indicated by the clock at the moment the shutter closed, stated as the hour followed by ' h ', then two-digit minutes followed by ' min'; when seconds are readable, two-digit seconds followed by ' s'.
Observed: 4 h 07 min
